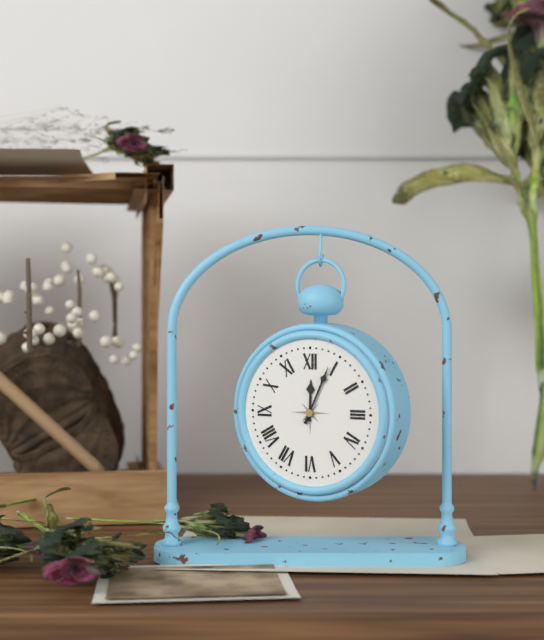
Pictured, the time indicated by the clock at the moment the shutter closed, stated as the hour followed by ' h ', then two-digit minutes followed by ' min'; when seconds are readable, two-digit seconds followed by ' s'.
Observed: 12 h 04 min
